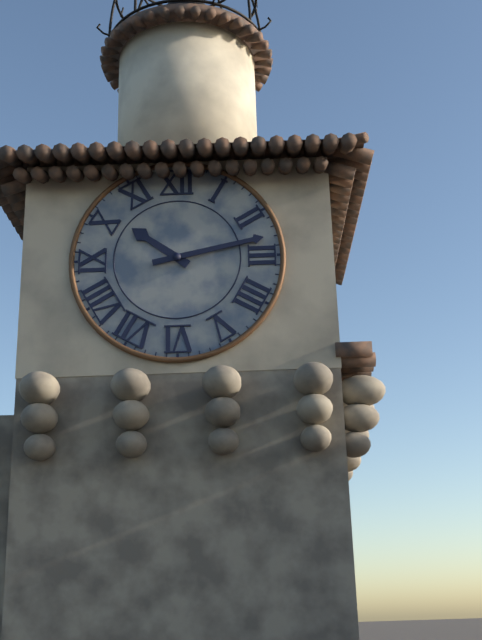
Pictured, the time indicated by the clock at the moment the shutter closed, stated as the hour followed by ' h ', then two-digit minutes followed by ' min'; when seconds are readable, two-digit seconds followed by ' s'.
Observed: 10 h 13 min
